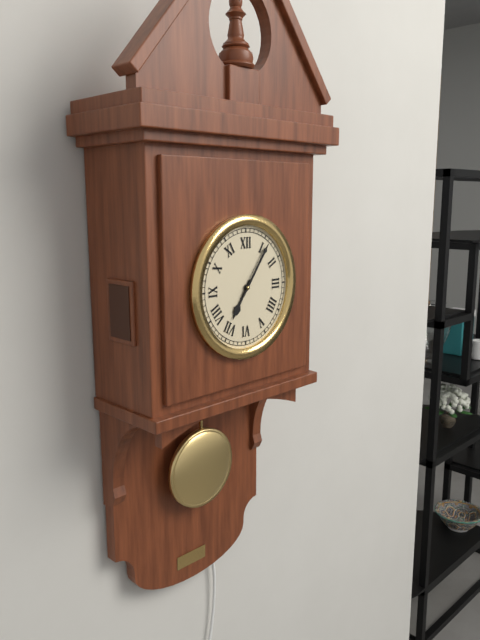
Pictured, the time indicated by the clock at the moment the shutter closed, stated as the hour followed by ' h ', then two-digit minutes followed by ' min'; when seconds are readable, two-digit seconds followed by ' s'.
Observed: 7 h 06 min
